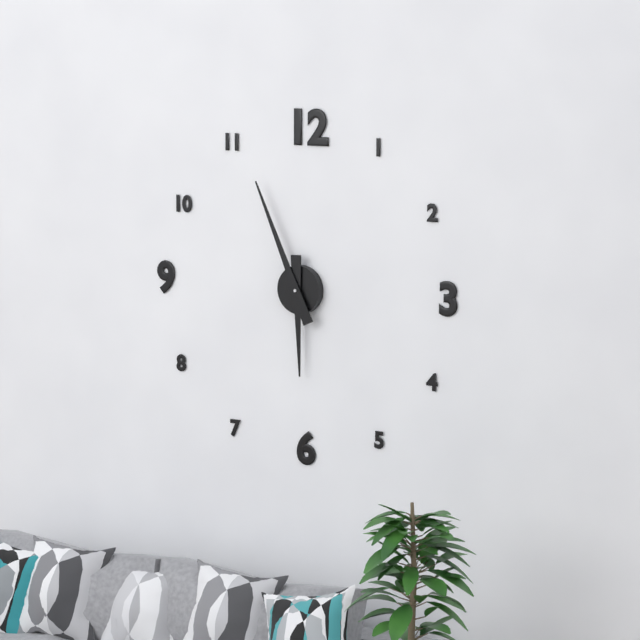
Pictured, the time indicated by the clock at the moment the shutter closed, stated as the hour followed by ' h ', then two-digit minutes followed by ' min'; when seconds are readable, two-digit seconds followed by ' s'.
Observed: 5 h 56 min
